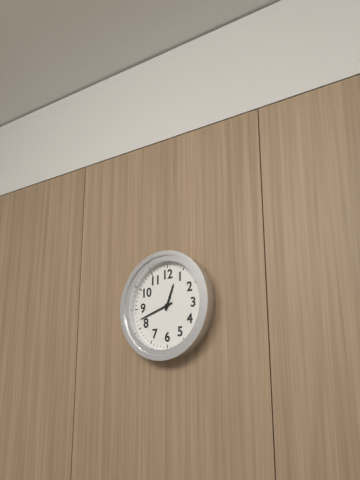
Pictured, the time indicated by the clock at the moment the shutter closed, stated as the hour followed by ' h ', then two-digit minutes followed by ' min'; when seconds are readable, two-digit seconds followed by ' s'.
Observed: 12 h 42 min
